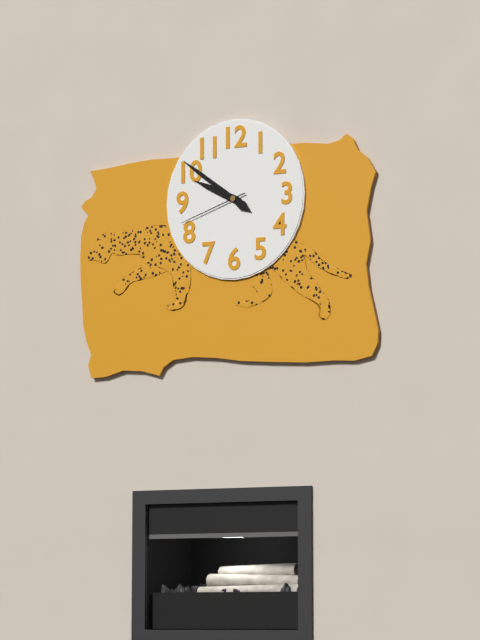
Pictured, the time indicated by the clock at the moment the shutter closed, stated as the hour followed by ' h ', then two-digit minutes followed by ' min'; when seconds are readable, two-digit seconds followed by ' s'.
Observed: 9 h 51 min 42 s
